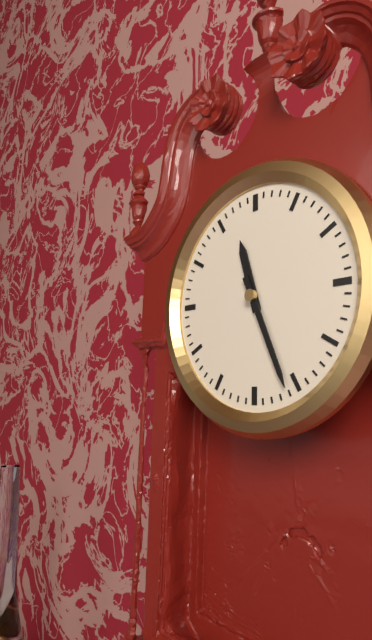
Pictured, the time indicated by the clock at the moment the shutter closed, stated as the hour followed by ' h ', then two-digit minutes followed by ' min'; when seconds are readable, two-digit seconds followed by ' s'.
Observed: 11 h 26 min
